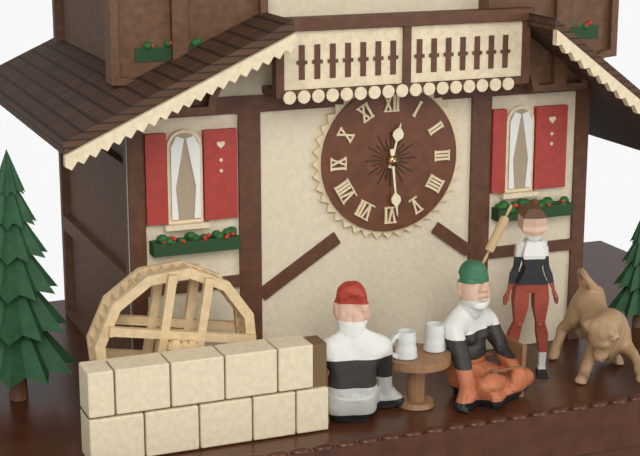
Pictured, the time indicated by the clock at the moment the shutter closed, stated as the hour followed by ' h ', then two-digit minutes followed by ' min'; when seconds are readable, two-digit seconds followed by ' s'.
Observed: 12 h 29 min
